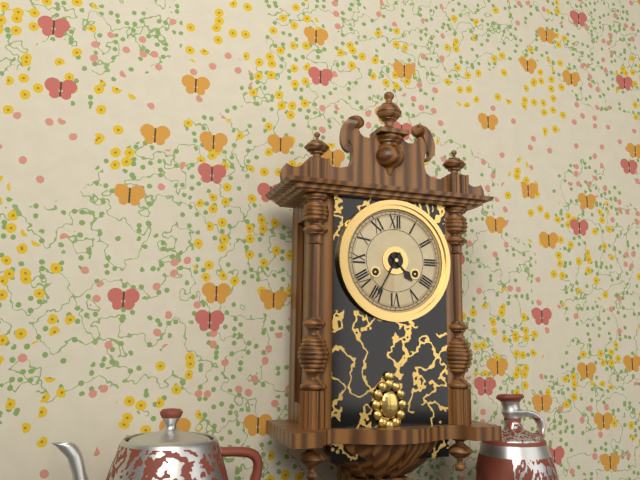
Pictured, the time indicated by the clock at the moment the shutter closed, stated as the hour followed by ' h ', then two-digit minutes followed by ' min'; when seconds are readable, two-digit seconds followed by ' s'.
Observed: 4 h 35 min
